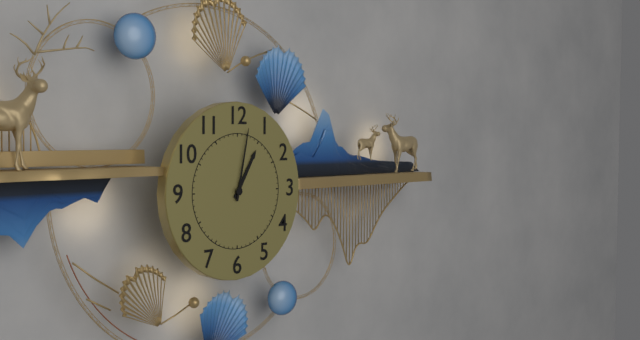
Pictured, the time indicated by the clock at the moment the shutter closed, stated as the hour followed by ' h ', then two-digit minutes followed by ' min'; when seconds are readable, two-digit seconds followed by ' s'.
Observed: 1 h 02 min
